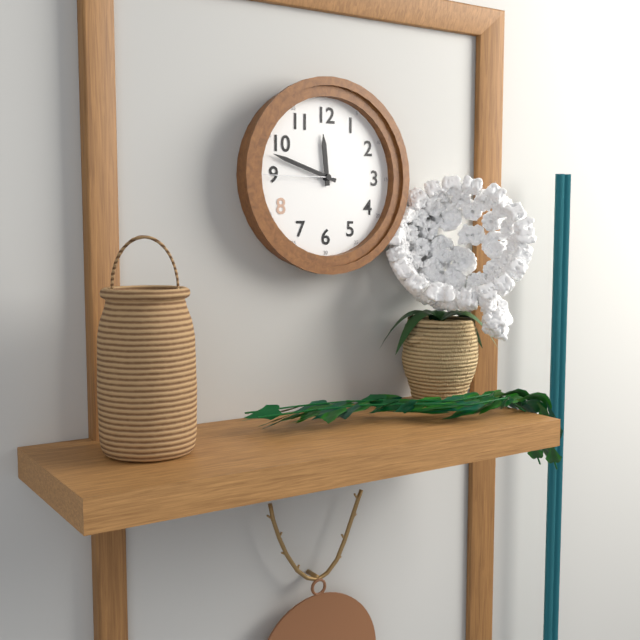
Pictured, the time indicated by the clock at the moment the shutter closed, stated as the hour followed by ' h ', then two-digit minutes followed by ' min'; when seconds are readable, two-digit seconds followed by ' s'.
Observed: 11 h 48 min 45 s
